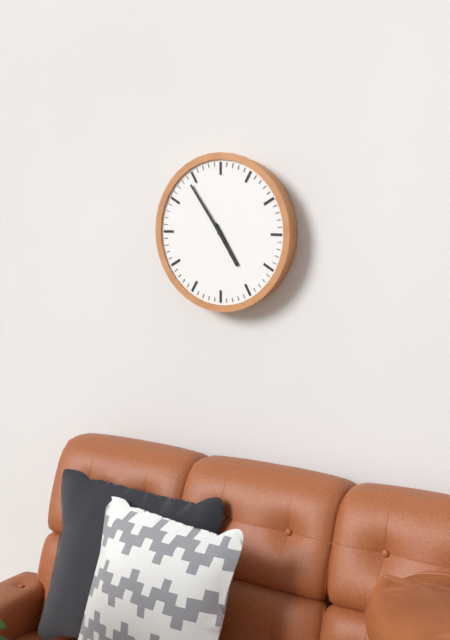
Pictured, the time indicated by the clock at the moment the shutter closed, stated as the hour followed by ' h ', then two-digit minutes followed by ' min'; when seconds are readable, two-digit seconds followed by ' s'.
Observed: 4 h 54 min
